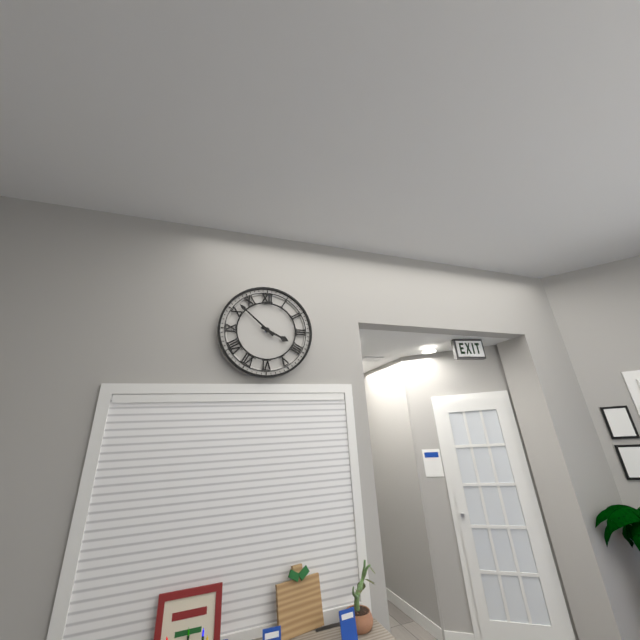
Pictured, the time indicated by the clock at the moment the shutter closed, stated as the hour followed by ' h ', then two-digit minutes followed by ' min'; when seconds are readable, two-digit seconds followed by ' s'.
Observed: 3 h 52 min
